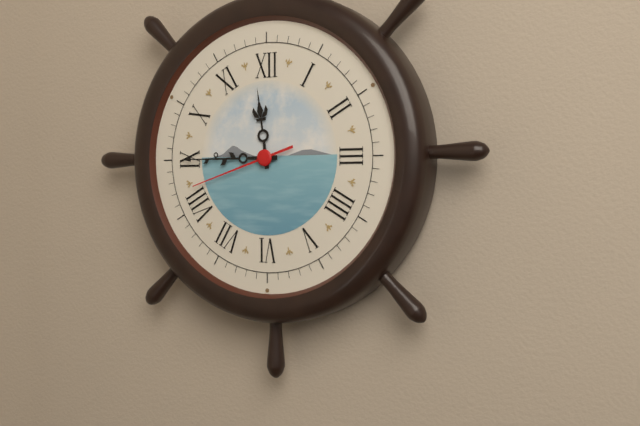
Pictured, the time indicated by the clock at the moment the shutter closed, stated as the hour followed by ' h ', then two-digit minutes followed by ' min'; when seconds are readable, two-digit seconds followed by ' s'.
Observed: 11 h 45 min 42 s
